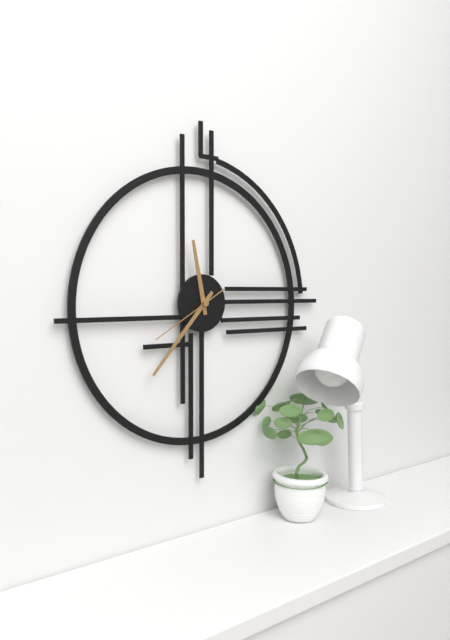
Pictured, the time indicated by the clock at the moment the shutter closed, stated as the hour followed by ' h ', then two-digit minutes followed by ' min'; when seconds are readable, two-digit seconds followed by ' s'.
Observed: 11 h 37 min 40 s
